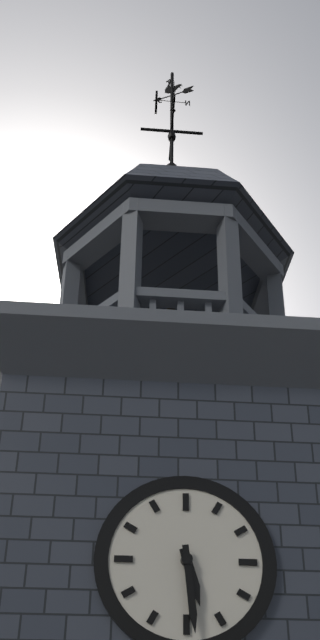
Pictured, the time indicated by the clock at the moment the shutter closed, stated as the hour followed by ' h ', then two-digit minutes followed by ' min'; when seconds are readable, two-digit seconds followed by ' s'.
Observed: 5 h 29 min
